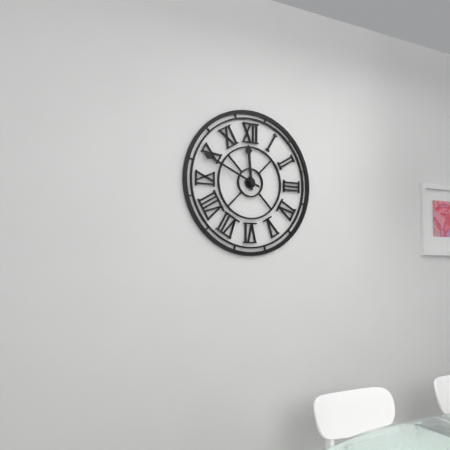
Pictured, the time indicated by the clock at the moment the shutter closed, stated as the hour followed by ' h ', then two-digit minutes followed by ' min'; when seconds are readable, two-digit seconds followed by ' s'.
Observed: 11 h 49 min
